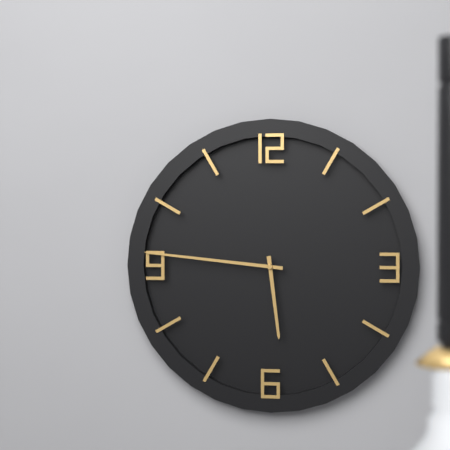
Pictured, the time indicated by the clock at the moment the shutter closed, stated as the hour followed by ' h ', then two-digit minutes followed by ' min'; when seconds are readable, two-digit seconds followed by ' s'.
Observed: 5 h 46 min
